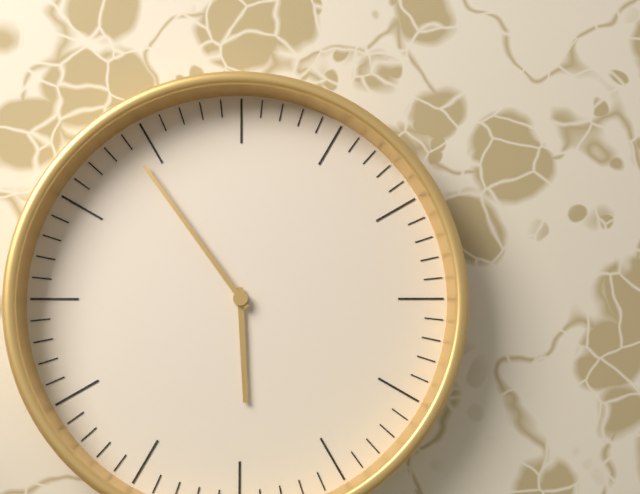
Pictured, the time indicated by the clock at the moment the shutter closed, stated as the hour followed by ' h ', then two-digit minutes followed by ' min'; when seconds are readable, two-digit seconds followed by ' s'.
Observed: 5 h 54 min
